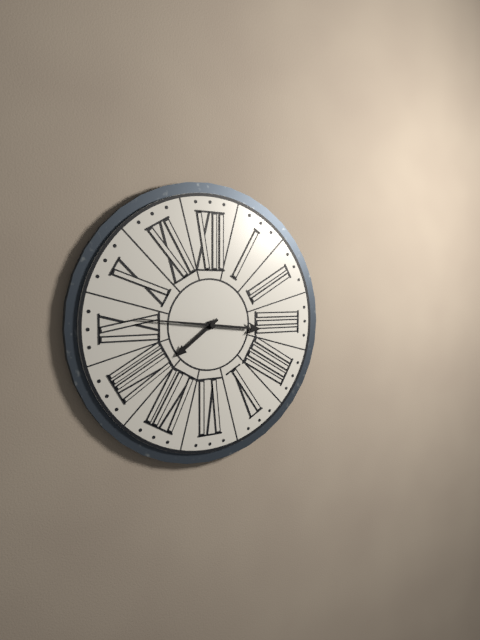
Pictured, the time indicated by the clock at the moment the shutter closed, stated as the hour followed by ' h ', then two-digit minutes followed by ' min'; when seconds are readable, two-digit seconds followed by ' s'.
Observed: 7 h 46 min
